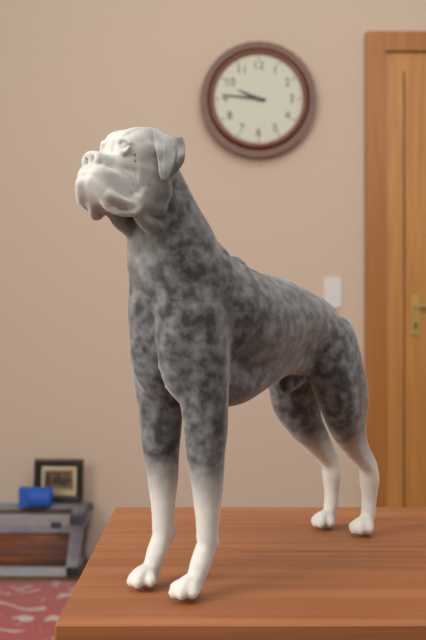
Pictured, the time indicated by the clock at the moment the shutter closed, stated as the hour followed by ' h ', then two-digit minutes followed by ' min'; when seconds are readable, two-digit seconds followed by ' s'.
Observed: 9 h 46 min
